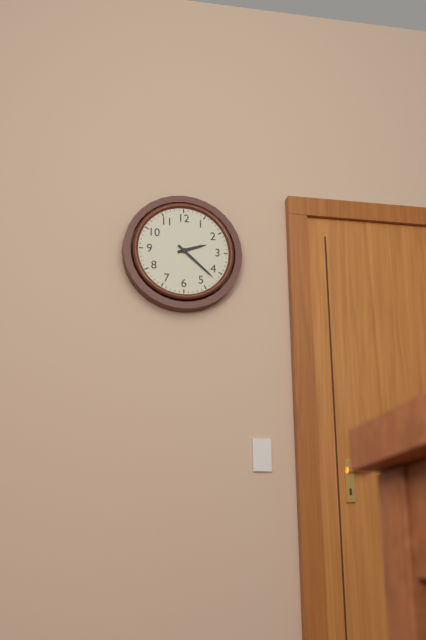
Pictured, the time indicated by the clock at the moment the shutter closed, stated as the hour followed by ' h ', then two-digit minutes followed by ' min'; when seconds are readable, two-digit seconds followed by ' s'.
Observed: 2 h 22 min
